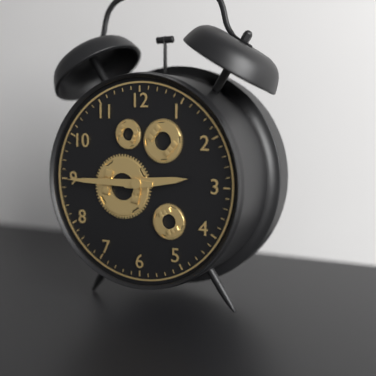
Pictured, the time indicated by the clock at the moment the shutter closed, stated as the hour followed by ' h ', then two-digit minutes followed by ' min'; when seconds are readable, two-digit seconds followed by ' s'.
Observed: 2 h 45 min
